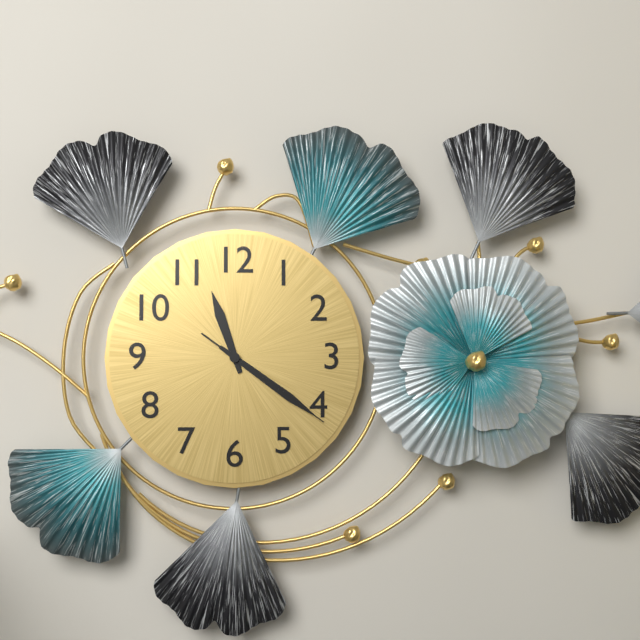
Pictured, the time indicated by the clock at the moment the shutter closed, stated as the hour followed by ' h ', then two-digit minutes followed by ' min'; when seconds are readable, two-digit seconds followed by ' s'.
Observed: 11 h 21 min 21 s
